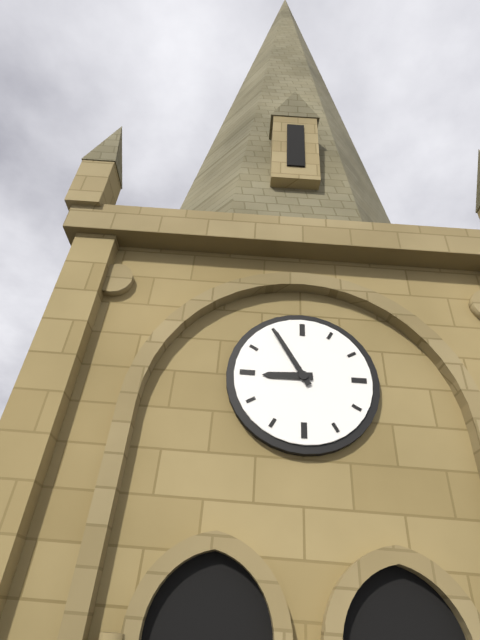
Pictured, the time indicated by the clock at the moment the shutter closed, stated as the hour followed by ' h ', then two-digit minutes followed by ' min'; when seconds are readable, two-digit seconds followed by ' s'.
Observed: 8 h 55 min
